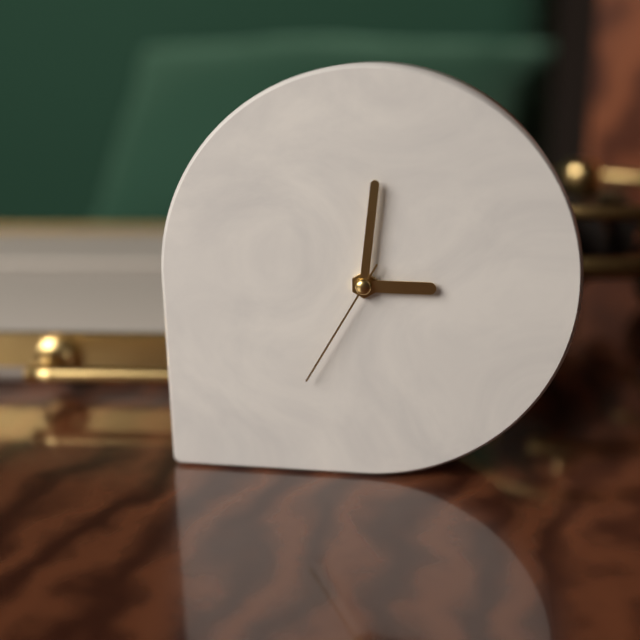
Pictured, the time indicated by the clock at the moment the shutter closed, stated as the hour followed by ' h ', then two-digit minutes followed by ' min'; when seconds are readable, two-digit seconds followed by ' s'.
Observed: 3 h 01 min 35 s
